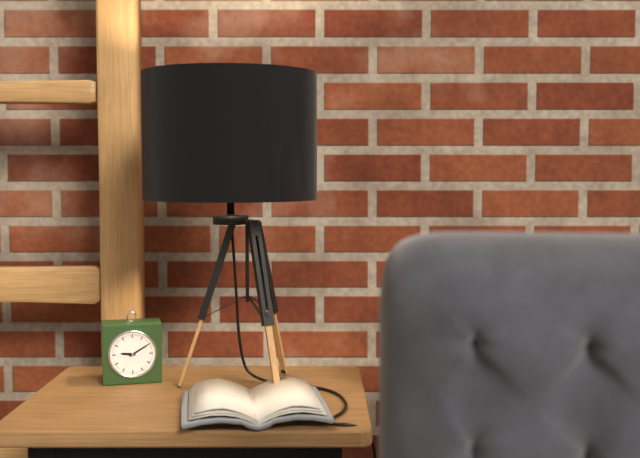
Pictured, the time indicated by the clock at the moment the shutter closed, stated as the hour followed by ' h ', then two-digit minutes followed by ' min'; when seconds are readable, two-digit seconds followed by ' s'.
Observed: 9 h 10 min
